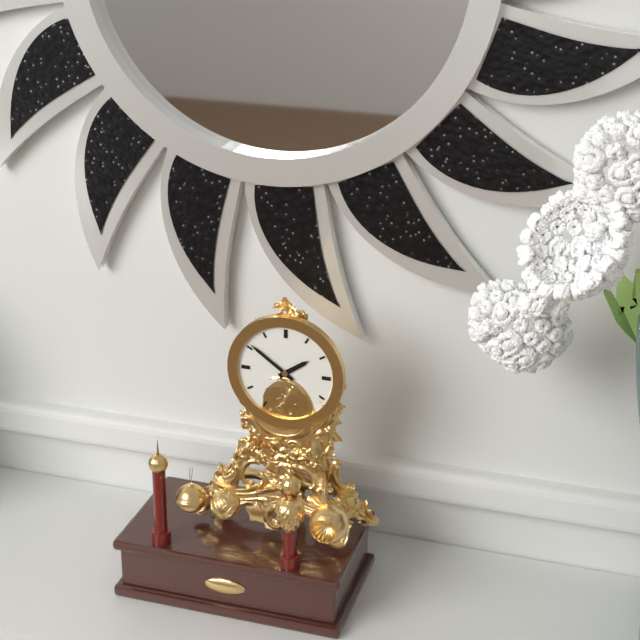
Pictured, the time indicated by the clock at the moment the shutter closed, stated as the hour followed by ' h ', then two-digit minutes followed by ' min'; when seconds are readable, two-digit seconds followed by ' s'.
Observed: 1 h 51 min
